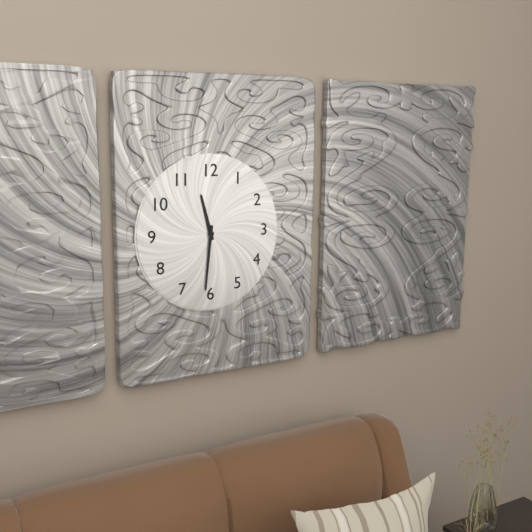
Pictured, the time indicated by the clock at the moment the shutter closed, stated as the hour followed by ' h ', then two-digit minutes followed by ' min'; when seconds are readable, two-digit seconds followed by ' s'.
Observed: 11 h 31 min
